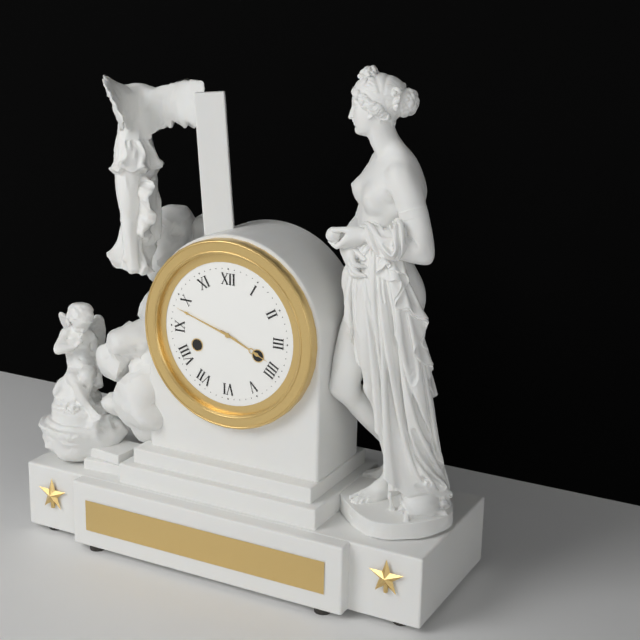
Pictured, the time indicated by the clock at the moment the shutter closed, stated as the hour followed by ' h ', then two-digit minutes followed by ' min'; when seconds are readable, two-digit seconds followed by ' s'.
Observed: 3 h 48 min
